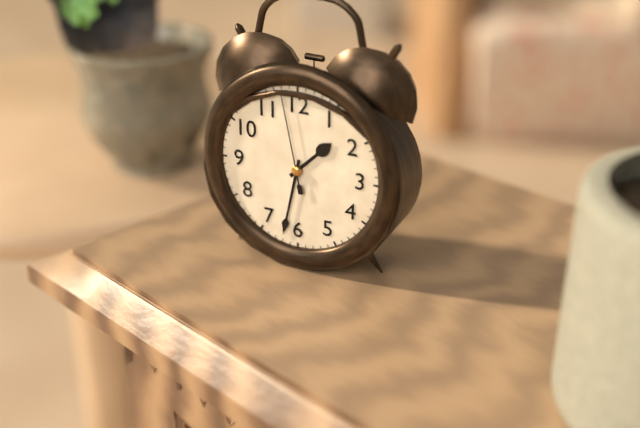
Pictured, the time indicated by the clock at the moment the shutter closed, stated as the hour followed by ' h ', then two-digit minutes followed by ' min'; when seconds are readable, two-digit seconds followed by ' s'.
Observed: 1 h 32 min 58 s
